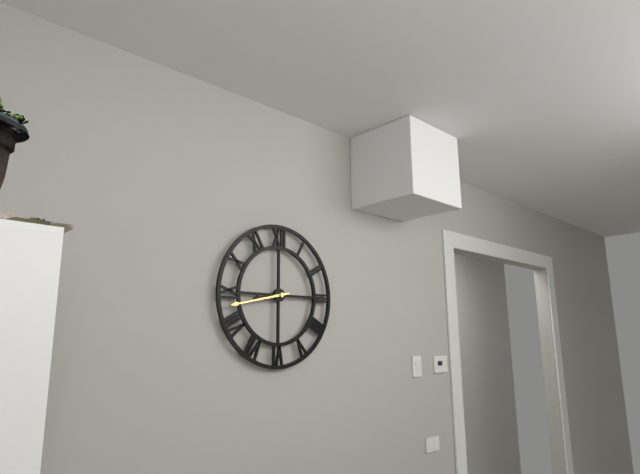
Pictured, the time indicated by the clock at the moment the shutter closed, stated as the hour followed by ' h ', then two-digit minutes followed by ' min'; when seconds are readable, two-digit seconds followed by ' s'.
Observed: 8 h 43 min
